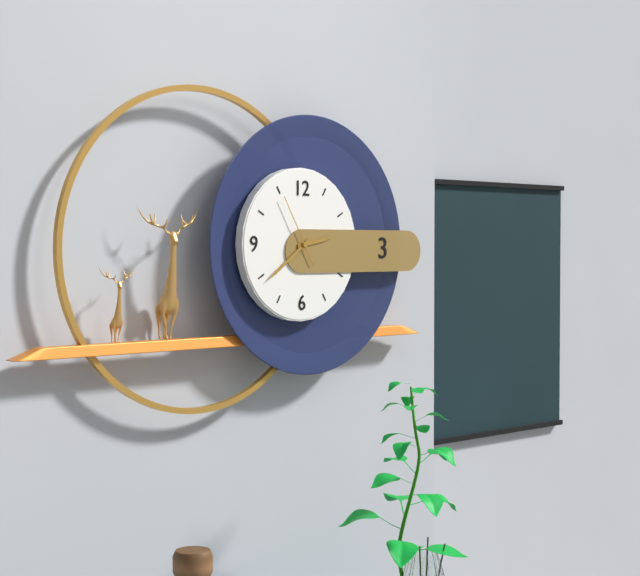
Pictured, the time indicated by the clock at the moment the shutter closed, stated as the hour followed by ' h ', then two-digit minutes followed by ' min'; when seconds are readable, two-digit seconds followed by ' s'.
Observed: 2 h 39 min 55 s
